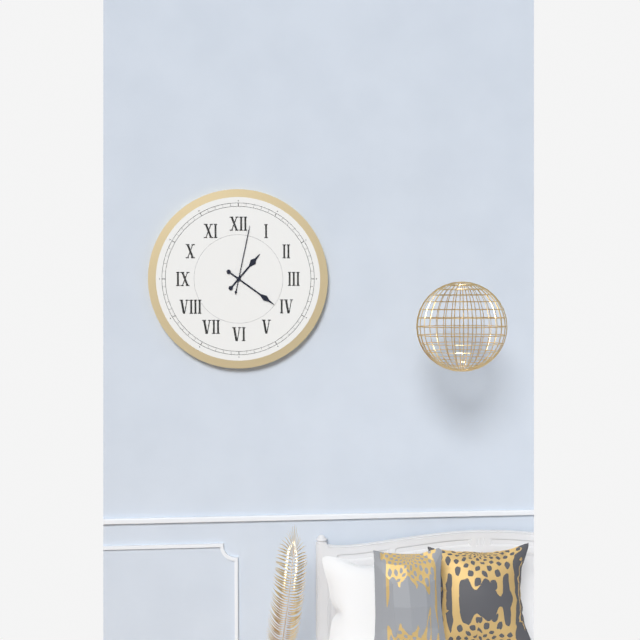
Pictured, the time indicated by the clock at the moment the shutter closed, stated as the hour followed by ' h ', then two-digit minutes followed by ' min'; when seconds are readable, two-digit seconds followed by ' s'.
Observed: 1 h 21 min 02 s
